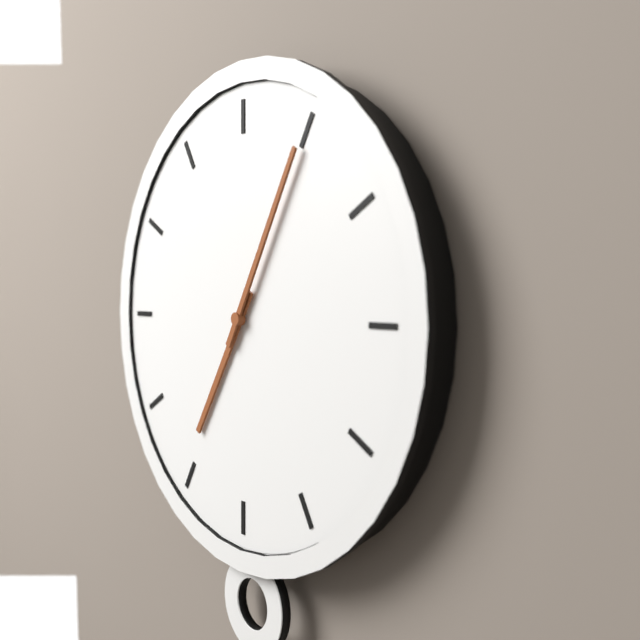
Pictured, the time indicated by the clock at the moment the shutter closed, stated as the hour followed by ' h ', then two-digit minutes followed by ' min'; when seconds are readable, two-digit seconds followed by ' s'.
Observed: 7 h 05 min
